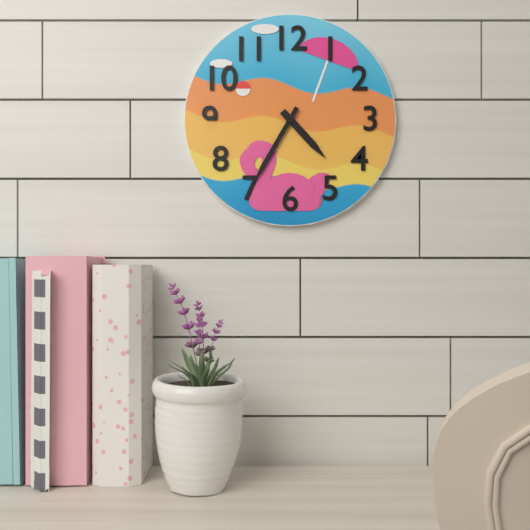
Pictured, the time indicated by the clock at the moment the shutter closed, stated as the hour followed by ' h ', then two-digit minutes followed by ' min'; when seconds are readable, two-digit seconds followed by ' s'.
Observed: 4 h 35 min
